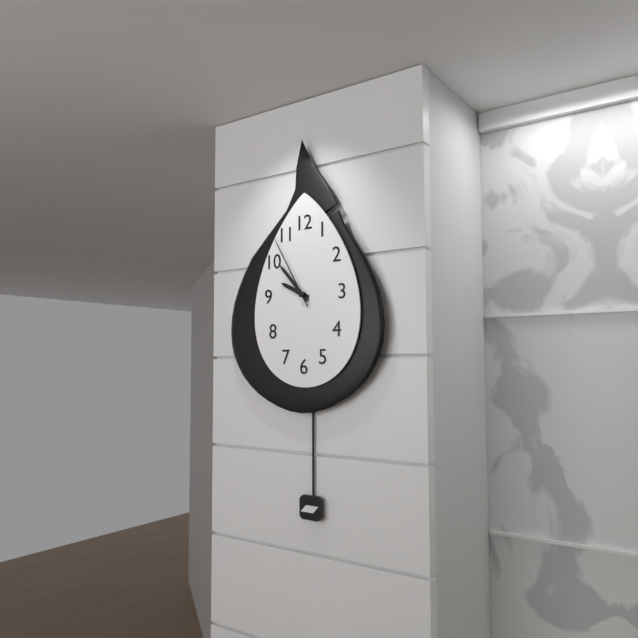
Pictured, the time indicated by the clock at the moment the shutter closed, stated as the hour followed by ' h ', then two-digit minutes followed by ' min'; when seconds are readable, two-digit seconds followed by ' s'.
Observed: 9 h 53 min 55 s
